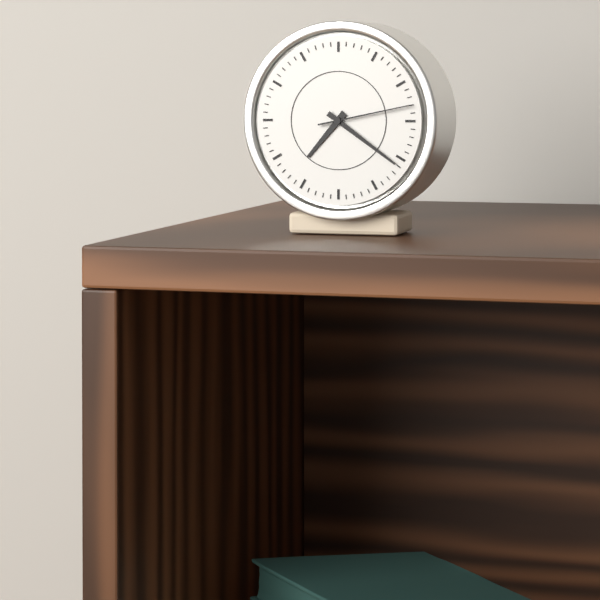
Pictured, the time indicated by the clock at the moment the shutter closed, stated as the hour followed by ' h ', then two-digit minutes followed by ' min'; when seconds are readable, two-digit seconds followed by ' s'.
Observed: 7 h 21 min 13 s
